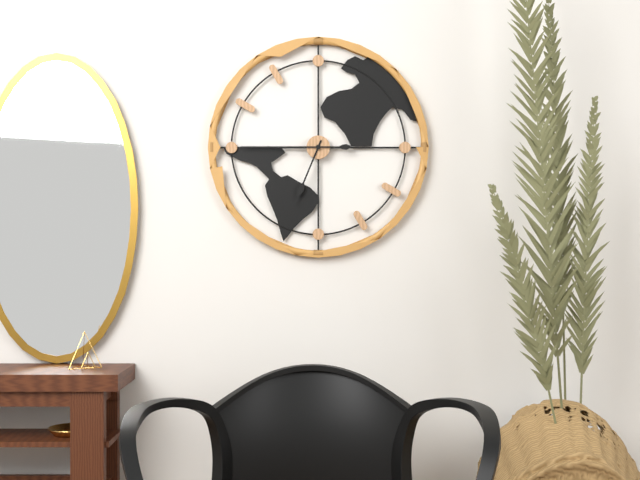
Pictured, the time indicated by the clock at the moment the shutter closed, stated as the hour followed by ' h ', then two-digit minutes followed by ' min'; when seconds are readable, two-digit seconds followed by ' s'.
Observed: 6 h 45 min
